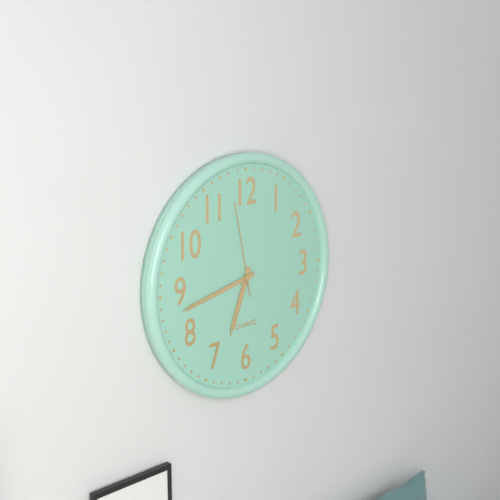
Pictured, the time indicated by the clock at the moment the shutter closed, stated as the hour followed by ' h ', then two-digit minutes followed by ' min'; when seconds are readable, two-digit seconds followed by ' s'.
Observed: 6 h 43 min 58 s
